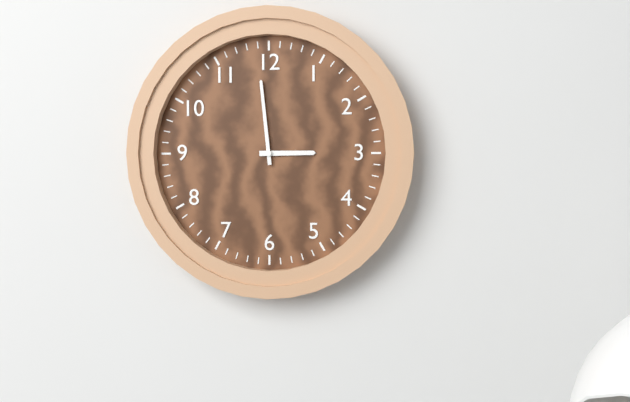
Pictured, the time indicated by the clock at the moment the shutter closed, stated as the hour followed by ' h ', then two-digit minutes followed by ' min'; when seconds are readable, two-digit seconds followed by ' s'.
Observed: 2 h 59 min
